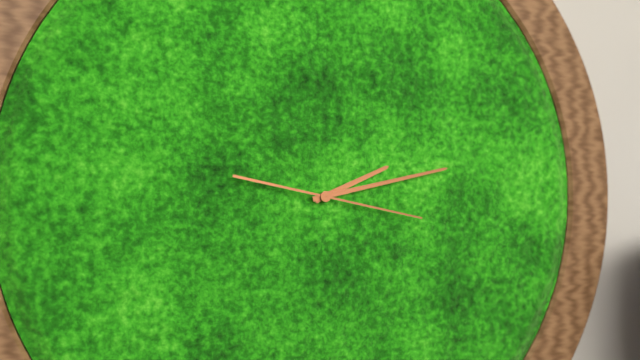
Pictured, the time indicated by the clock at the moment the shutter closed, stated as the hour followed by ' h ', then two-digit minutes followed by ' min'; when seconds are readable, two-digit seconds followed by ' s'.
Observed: 2 h 13 min 17 s
